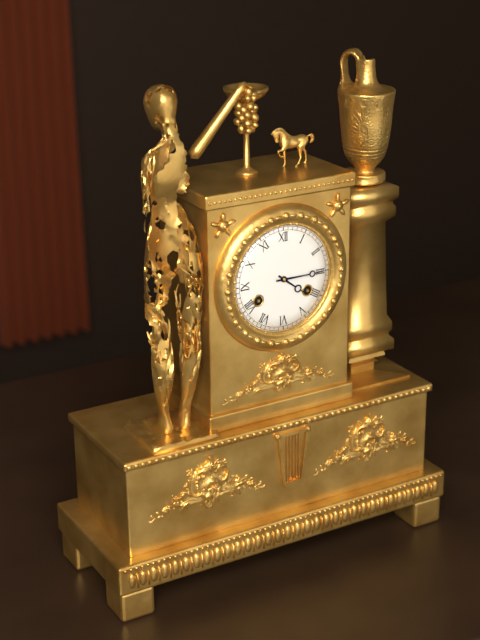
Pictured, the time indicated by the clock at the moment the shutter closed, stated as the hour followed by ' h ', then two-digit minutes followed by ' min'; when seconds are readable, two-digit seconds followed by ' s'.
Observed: 4 h 15 min
